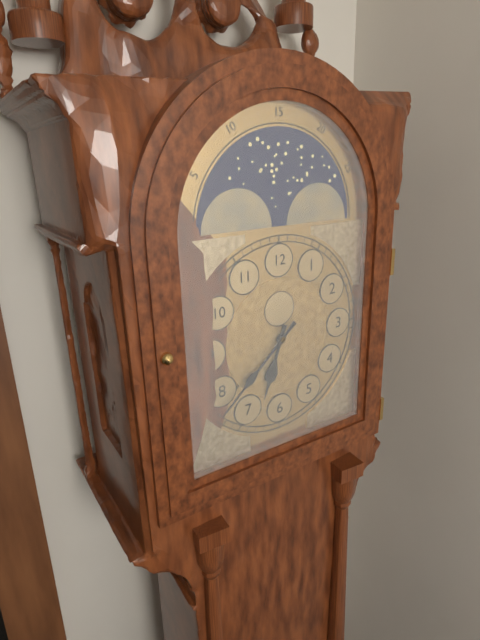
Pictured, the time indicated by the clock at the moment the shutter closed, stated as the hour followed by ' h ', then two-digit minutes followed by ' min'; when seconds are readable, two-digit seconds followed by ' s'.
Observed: 6 h 38 min
